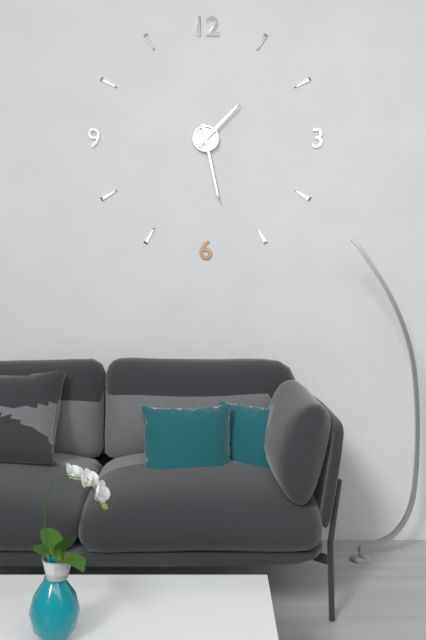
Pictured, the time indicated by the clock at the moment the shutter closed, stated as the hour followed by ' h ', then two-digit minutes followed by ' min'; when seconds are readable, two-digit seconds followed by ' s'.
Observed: 1 h 28 min
